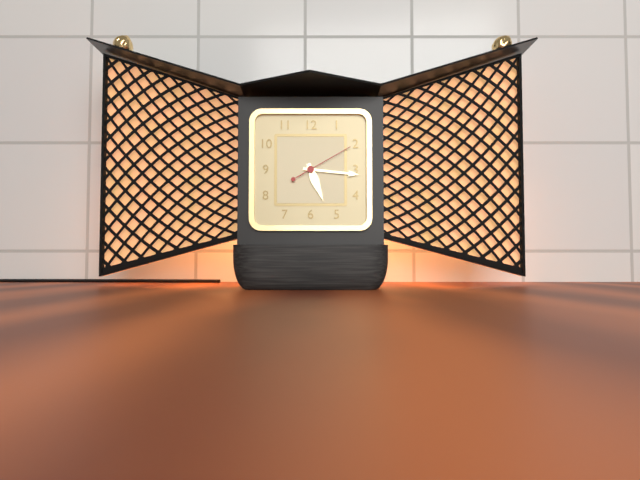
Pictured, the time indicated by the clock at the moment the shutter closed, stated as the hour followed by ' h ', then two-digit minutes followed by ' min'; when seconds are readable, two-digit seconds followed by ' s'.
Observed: 5 h 16 min 10 s
